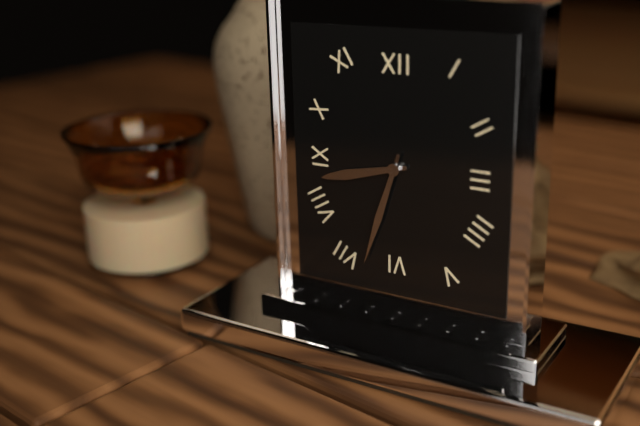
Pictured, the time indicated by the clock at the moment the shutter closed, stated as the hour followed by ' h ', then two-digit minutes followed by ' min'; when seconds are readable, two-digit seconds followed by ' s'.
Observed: 8 h 33 min
